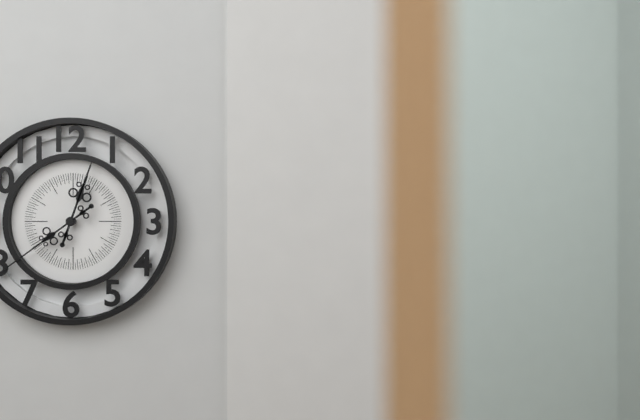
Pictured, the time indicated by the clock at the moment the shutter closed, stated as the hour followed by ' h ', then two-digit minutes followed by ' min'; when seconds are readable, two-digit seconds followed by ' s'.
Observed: 12 h 39 min
